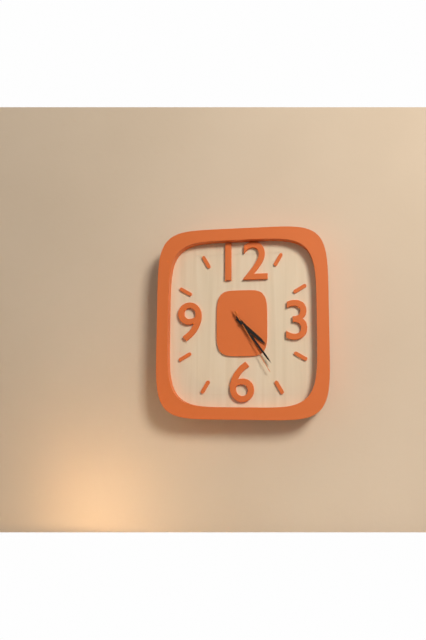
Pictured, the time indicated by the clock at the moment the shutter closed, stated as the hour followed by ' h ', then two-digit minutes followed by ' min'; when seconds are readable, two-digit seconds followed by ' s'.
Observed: 4 h 24 min 25 s
